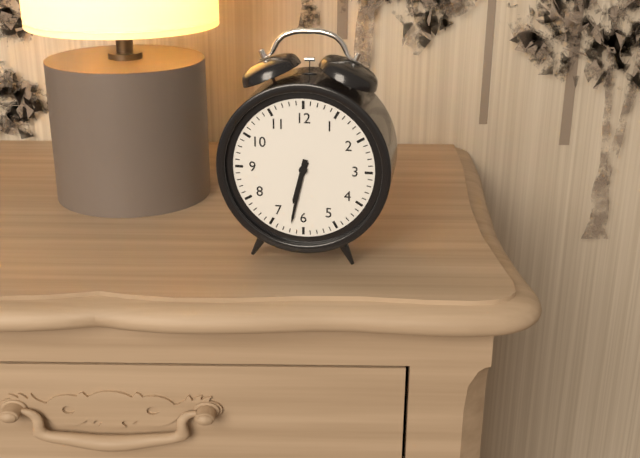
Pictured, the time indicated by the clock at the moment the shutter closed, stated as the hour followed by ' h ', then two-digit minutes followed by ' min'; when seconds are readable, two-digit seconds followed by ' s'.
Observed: 6 h 32 min
